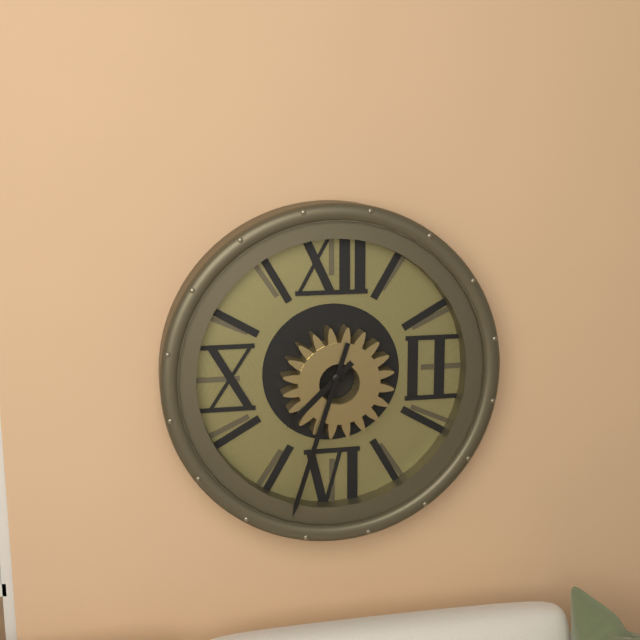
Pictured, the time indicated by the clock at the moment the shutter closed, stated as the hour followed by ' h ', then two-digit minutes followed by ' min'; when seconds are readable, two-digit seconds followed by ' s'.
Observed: 7 h 33 min
